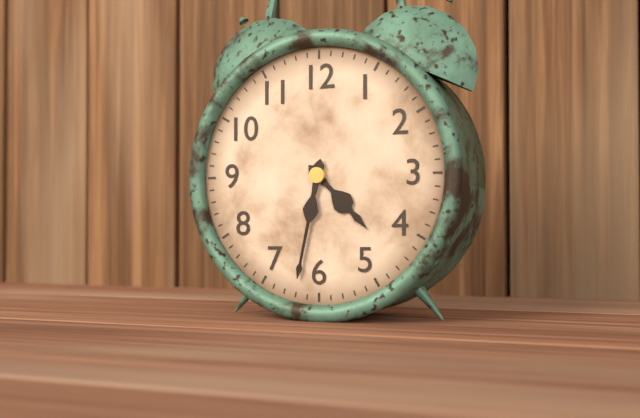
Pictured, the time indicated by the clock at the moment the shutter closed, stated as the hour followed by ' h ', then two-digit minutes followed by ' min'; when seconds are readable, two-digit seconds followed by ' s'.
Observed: 4 h 32 min
